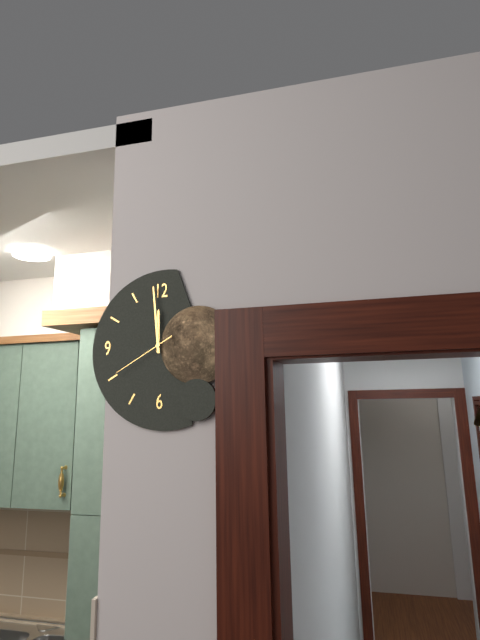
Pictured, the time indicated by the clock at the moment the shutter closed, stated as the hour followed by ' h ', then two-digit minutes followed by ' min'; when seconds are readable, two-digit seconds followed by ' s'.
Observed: 11 h 59 min 40 s
